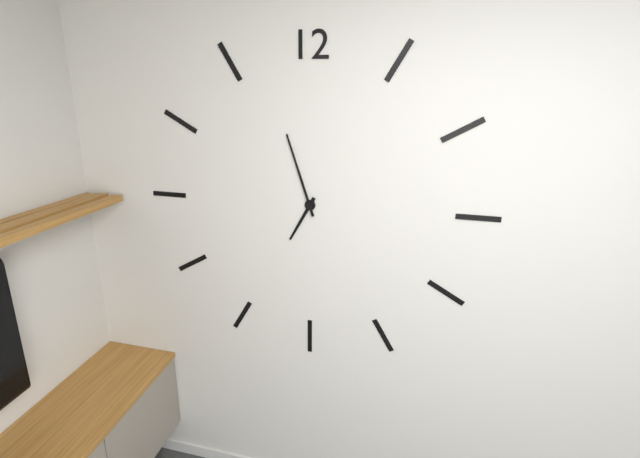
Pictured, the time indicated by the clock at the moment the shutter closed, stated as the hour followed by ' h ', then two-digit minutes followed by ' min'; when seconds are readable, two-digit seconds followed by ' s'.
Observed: 6 h 57 min
